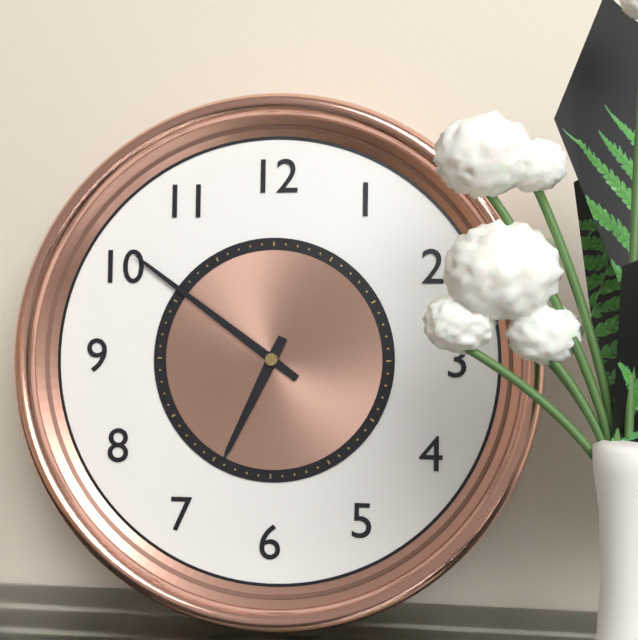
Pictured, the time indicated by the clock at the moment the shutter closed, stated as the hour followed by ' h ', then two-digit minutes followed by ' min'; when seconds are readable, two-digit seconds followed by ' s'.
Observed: 6 h 51 min
